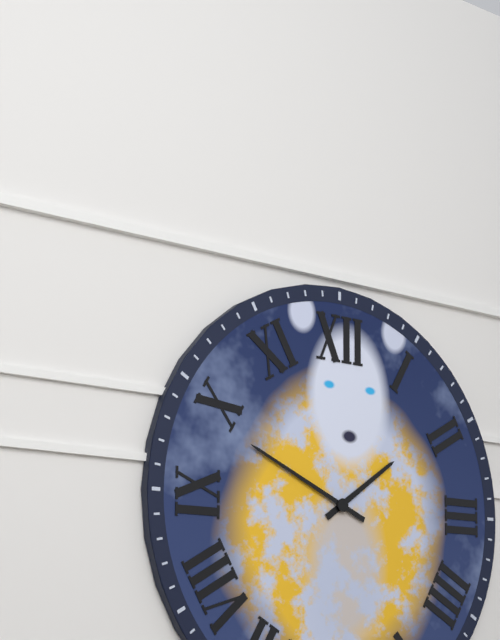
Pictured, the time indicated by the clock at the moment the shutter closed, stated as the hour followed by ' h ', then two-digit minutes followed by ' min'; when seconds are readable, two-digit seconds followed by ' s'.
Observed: 1 h 49 min
